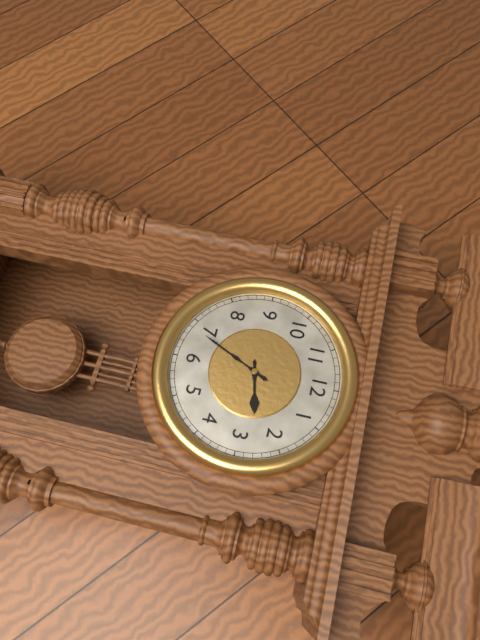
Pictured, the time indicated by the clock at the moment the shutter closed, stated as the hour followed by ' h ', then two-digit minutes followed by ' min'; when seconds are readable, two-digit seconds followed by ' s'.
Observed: 2 h 34 min
